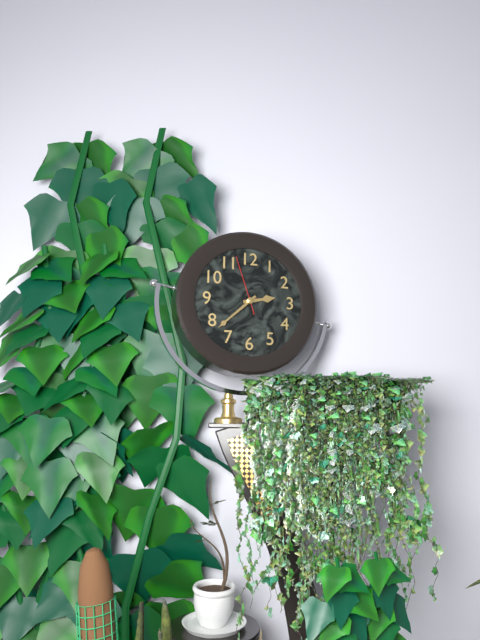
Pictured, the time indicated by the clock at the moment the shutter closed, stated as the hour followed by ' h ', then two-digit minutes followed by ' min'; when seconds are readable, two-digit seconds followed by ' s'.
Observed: 2 h 38 min 57 s
